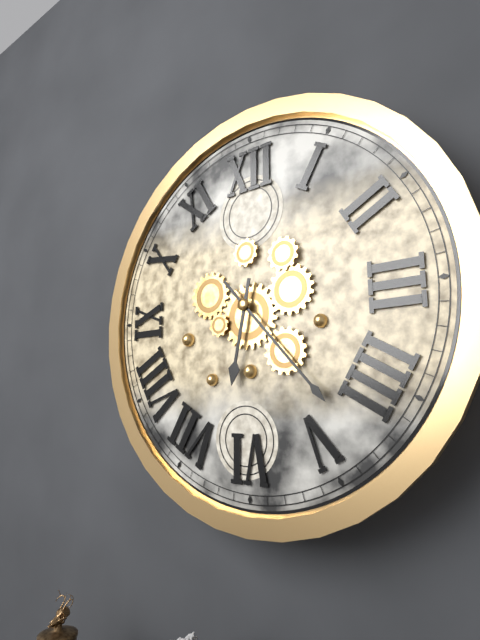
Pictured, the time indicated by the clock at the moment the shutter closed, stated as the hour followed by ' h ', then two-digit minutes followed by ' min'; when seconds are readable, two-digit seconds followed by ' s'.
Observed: 6 h 23 min
